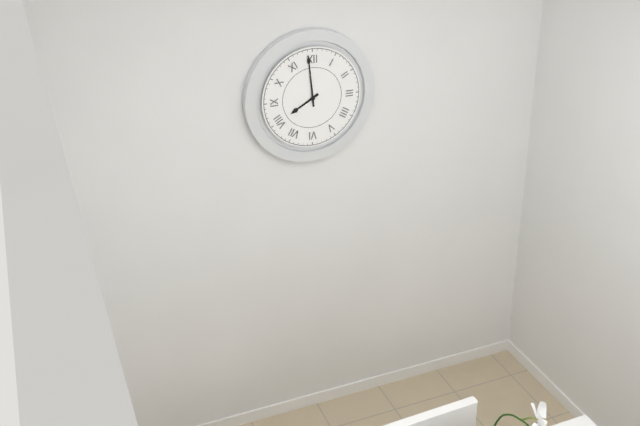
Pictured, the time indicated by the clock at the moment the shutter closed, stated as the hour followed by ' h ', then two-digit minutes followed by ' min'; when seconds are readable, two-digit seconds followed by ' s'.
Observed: 7 h 59 min
